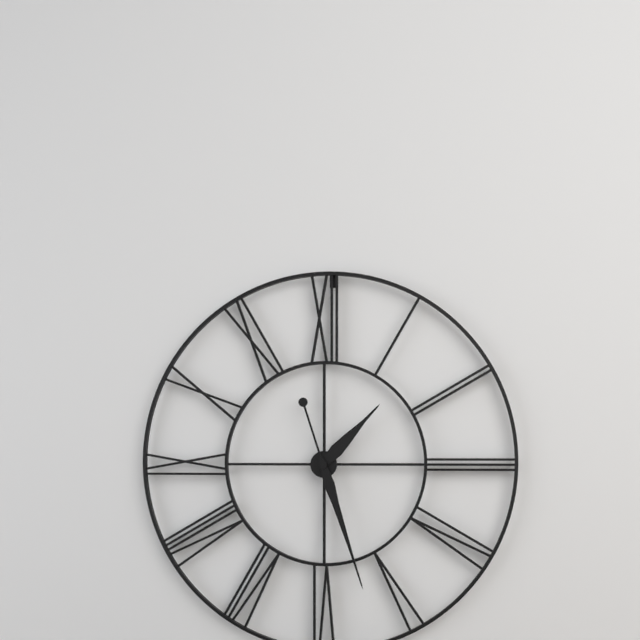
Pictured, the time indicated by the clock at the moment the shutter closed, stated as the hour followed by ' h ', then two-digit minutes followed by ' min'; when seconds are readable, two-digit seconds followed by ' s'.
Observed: 1 h 27 min
